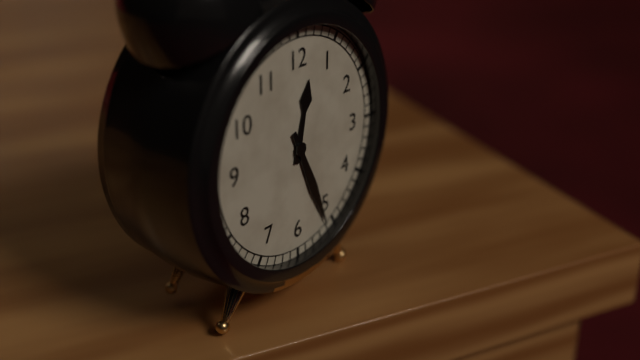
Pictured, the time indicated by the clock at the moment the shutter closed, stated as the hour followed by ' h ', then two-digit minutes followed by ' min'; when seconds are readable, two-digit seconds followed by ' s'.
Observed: 12 h 26 min
